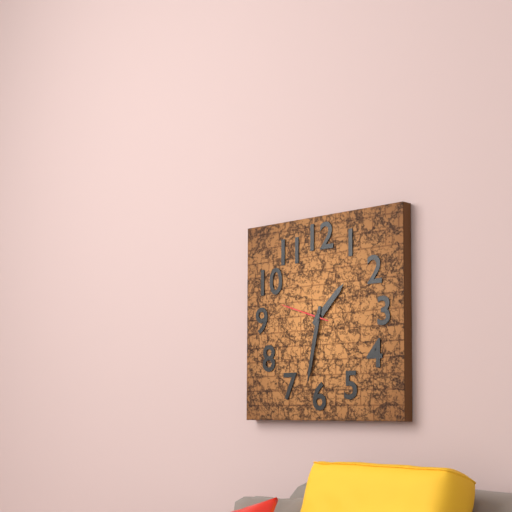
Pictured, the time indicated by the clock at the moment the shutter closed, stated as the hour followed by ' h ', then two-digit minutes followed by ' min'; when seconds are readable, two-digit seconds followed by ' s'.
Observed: 1 h 32 min 48 s
